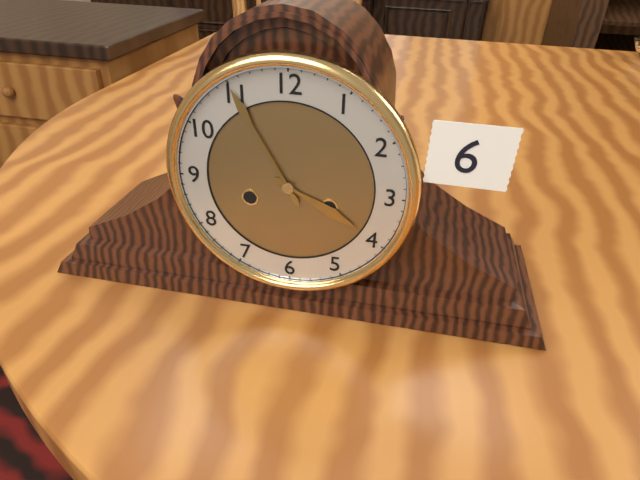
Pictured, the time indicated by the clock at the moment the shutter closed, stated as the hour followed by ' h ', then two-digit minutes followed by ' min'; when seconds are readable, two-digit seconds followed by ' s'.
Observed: 3 h 55 min
